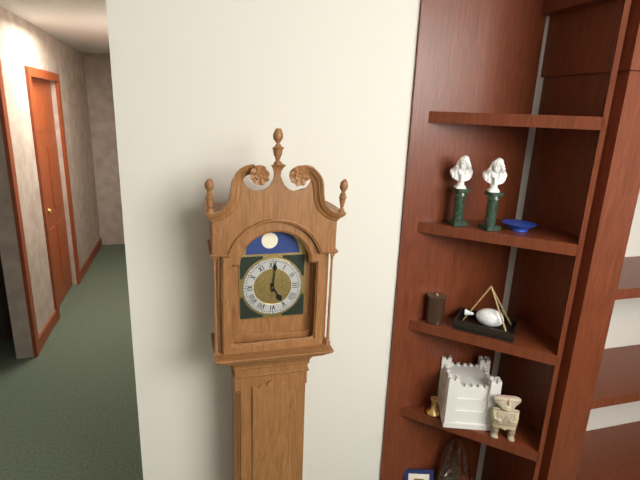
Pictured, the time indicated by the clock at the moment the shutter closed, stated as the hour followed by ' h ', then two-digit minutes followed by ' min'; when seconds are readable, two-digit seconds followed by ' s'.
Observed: 5 h 01 min
